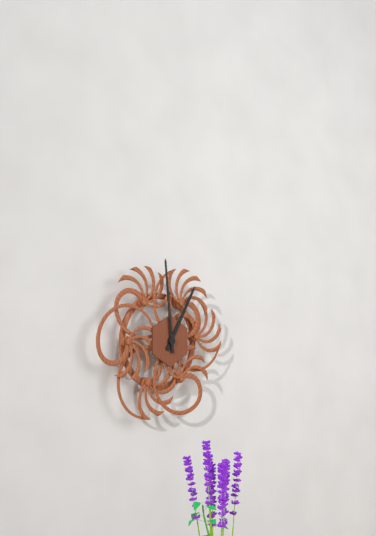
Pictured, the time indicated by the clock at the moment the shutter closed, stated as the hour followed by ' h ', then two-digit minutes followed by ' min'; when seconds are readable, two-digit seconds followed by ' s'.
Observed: 12 h 59 min
